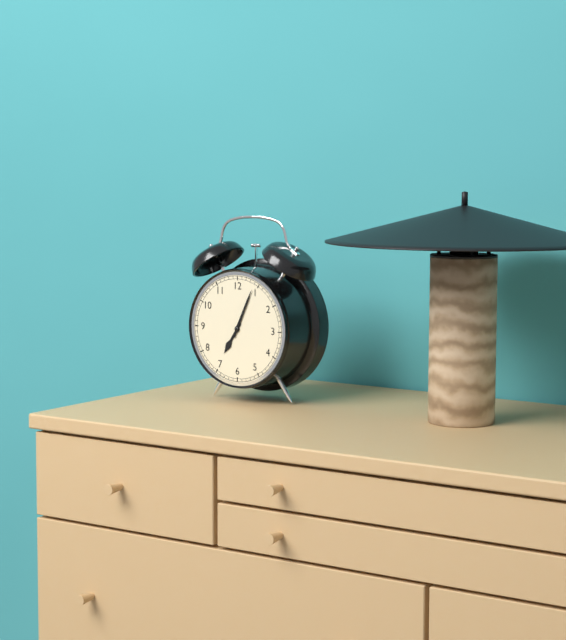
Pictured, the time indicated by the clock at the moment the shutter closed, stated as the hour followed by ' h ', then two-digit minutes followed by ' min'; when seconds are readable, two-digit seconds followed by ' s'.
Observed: 7 h 04 min
